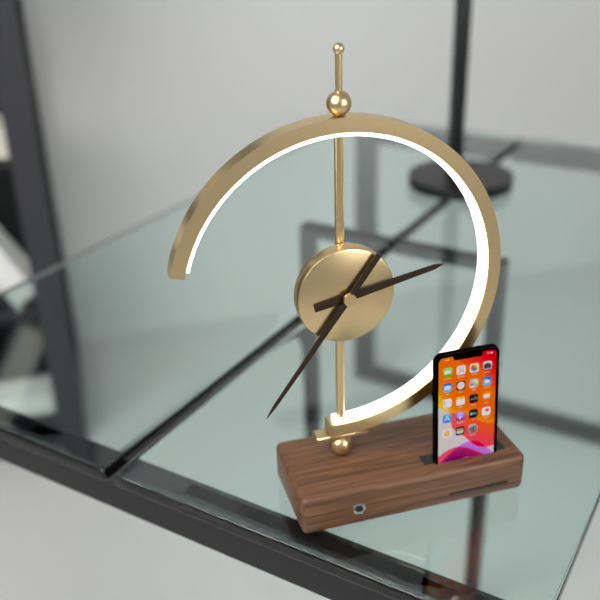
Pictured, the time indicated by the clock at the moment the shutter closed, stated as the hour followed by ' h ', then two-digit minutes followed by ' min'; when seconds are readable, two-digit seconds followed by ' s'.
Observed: 2 h 36 min
